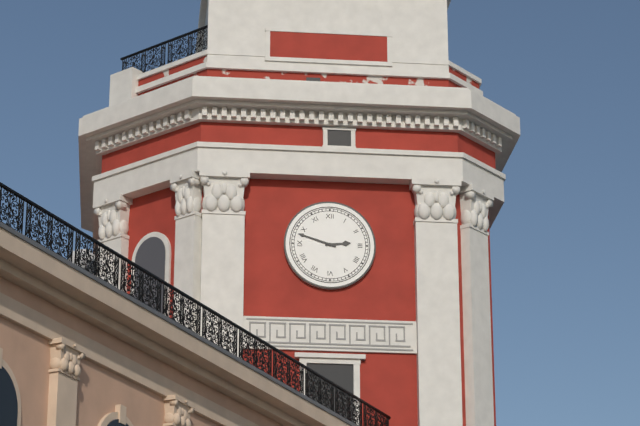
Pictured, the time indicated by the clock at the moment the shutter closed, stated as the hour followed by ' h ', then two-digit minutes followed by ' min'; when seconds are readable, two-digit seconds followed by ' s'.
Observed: 2 h 48 min
